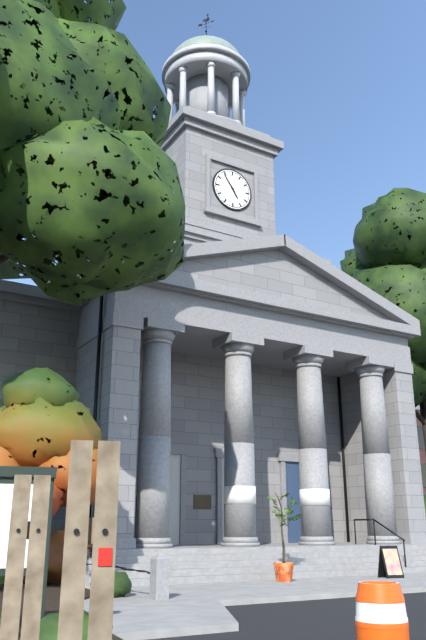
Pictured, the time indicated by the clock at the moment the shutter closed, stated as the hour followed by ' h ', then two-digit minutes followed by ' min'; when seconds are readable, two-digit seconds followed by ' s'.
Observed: 4 h 54 min
